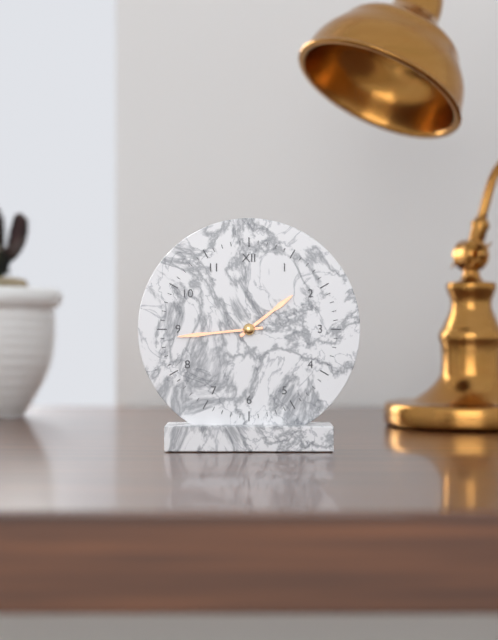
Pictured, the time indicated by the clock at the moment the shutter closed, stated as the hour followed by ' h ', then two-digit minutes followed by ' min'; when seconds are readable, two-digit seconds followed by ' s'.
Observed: 1 h 44 min
